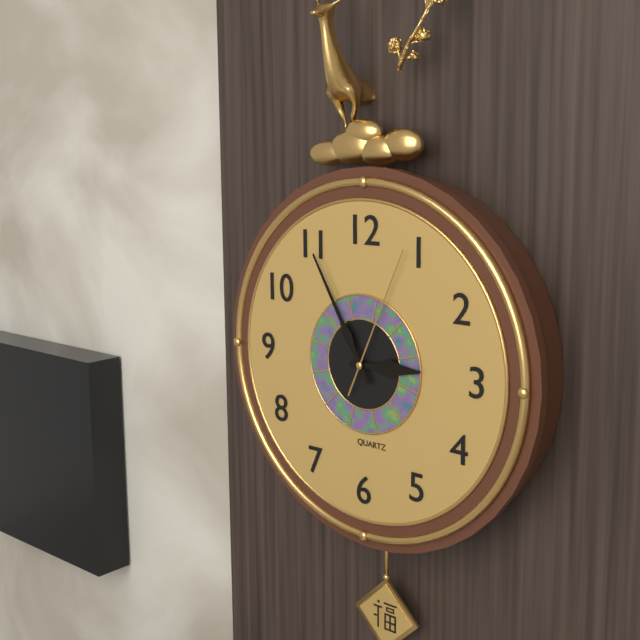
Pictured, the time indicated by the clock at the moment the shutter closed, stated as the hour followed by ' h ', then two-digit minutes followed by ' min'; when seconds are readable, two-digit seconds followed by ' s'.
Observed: 2 h 55 min 04 s
